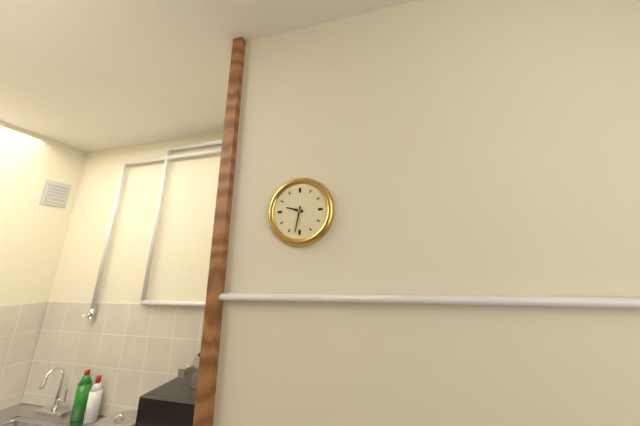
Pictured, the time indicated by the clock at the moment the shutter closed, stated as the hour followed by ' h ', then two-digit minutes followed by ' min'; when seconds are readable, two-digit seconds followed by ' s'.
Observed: 9 h 32 min
